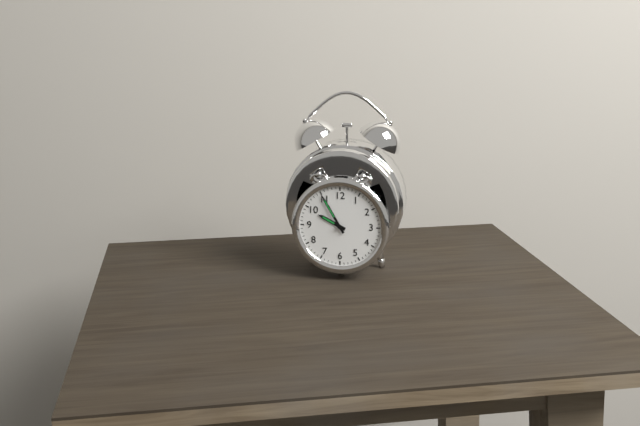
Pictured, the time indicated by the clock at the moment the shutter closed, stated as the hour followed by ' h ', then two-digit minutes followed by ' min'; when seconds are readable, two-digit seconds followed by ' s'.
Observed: 9 h 55 min
